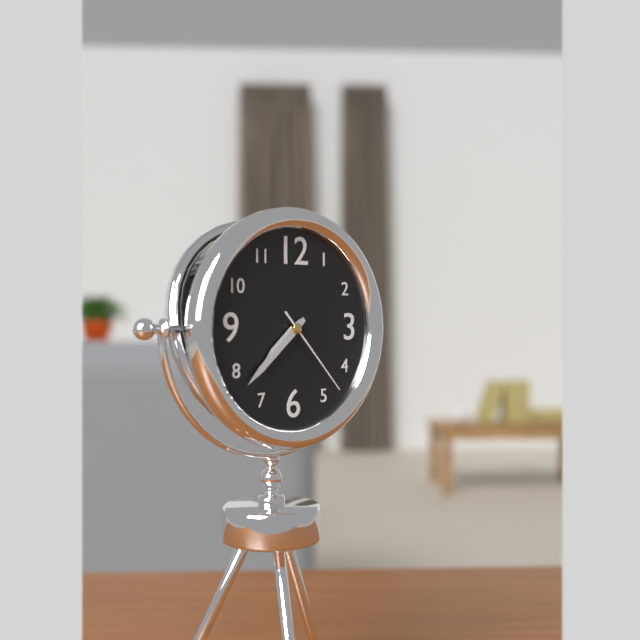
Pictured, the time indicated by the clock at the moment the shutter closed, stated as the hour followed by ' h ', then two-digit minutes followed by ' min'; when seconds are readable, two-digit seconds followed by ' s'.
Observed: 7 h 38 min 23 s
